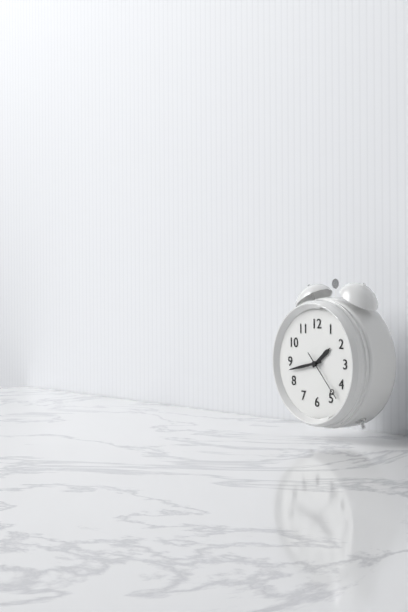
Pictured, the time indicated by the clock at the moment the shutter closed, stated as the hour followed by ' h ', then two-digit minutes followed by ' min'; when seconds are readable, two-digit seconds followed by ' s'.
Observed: 1 h 43 min 23 s
